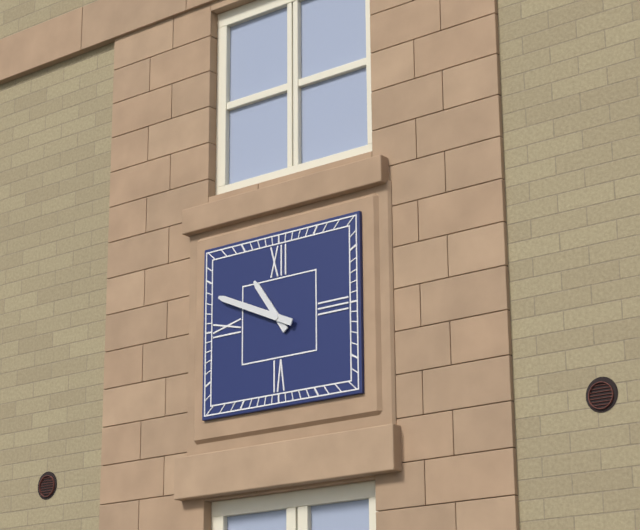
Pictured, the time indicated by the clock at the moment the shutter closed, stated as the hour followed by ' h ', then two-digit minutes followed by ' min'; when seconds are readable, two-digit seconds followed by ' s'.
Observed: 10 h 49 min
